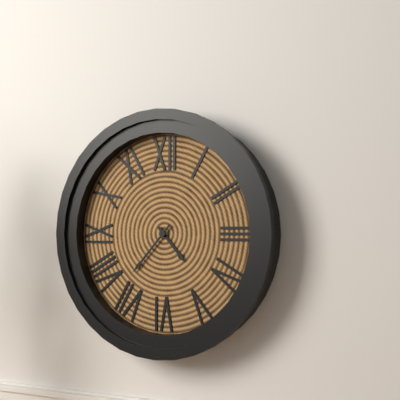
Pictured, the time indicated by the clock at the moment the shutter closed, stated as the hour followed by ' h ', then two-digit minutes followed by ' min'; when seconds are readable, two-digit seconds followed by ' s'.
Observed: 4 h 37 min
